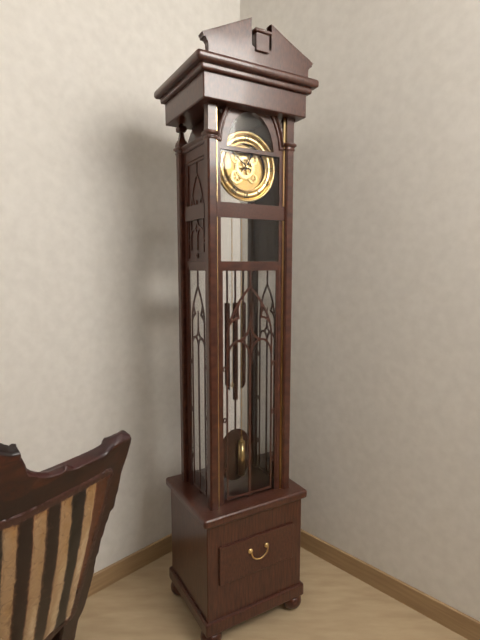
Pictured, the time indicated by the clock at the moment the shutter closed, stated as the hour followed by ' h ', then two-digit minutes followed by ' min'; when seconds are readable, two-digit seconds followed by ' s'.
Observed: 12 h 51 min
